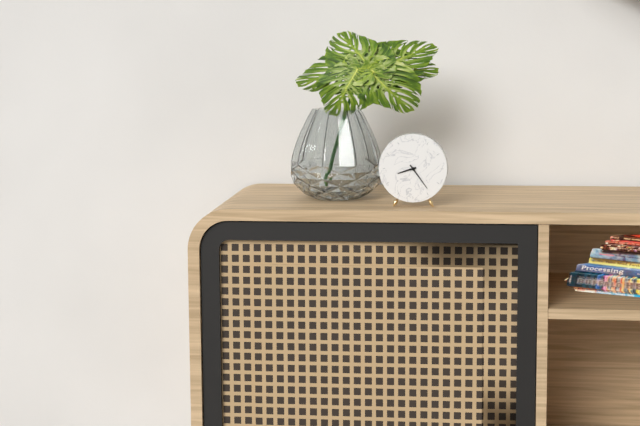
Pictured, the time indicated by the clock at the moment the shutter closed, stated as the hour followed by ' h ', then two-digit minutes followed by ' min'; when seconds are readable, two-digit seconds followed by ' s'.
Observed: 8 h 24 min
